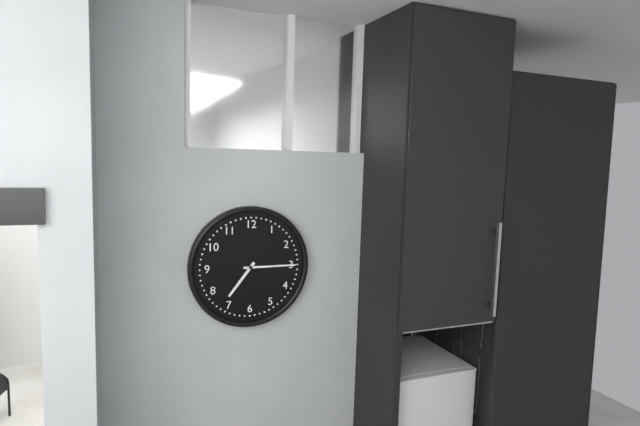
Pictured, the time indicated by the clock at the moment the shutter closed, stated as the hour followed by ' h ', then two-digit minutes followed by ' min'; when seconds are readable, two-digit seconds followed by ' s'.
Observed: 7 h 15 min
